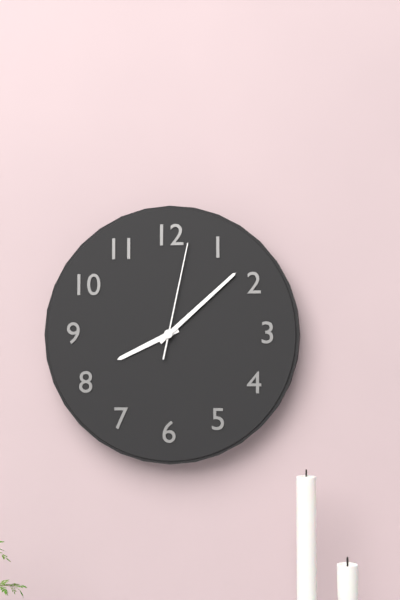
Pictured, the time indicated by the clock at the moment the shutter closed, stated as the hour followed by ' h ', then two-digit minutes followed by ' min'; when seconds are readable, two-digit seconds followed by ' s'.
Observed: 8 h 08 min 02 s
